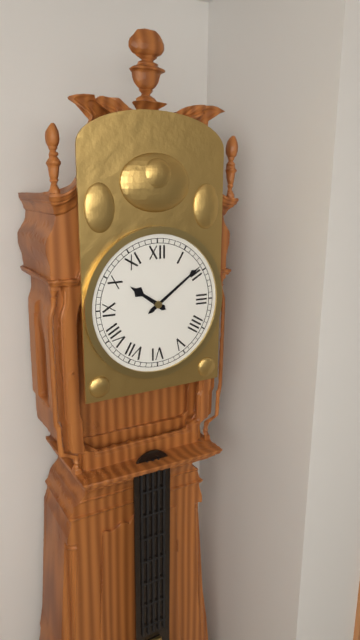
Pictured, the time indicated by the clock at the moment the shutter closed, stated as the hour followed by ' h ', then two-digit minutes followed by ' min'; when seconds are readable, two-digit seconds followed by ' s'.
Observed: 10 h 09 min
